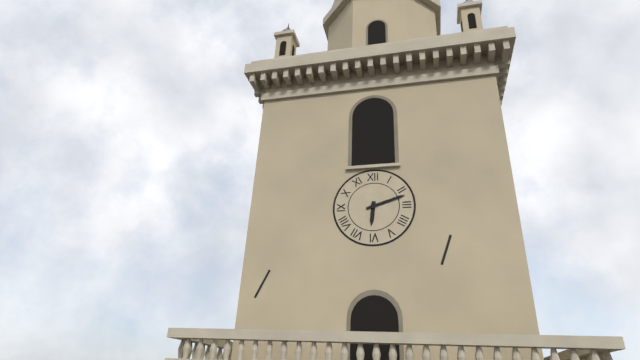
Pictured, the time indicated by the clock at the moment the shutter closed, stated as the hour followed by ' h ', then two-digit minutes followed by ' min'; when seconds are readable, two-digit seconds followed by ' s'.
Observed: 6 h 12 min
